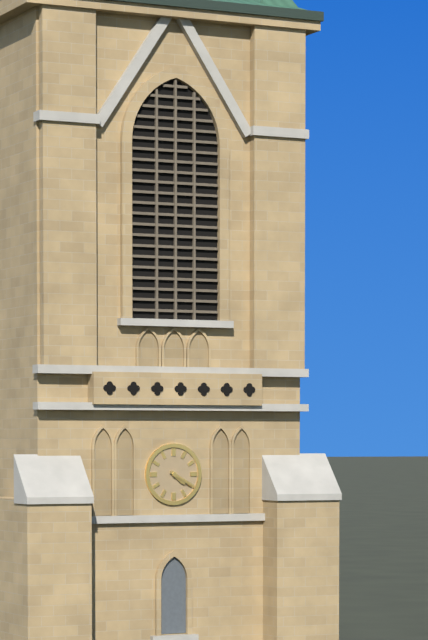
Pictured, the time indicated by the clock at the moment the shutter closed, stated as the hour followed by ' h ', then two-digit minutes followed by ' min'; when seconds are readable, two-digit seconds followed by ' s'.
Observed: 4 h 20 min
